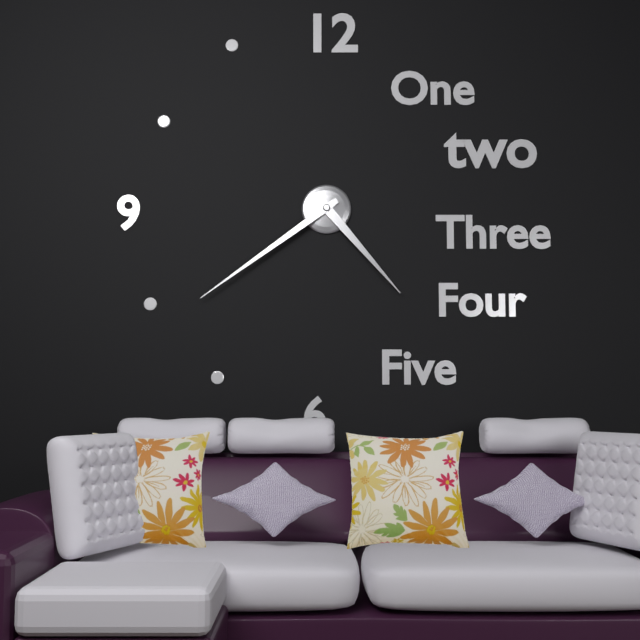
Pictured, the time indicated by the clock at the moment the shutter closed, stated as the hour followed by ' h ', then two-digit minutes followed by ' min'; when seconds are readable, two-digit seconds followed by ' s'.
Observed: 4 h 39 min
